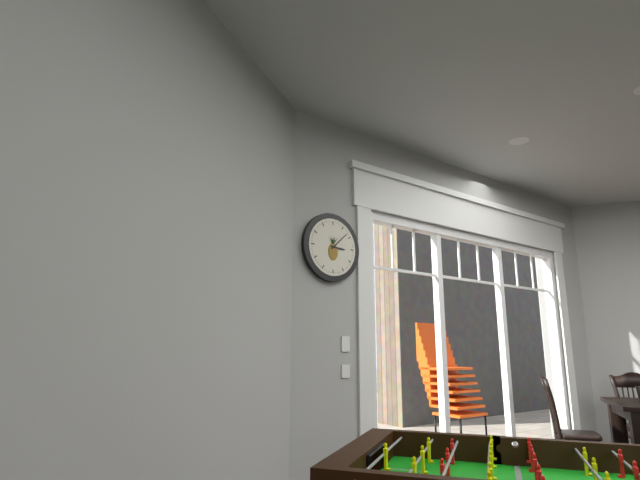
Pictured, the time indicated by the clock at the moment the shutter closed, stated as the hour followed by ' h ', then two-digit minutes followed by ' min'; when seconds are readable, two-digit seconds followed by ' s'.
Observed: 3 h 08 min
